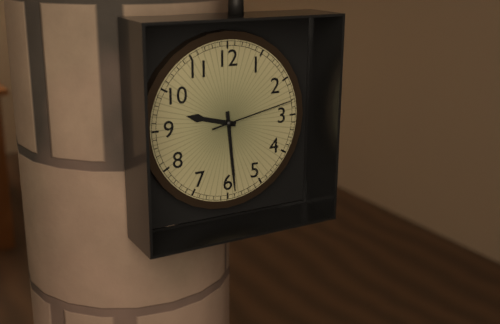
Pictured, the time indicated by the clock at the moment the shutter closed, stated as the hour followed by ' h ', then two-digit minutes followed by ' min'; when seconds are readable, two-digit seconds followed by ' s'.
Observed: 9 h 29 min 13 s
